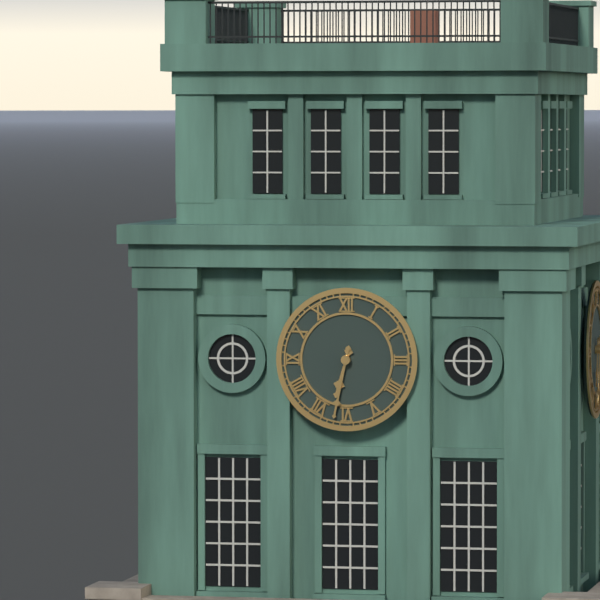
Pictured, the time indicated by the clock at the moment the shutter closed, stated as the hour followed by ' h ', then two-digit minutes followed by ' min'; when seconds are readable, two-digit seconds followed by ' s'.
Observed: 6 h 32 min
